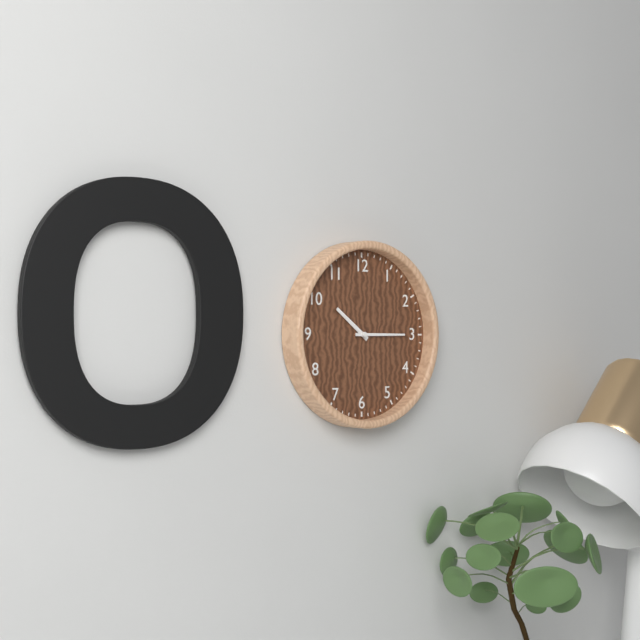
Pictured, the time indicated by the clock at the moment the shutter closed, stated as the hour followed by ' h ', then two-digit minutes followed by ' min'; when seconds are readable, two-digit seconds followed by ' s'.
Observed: 10 h 15 min
